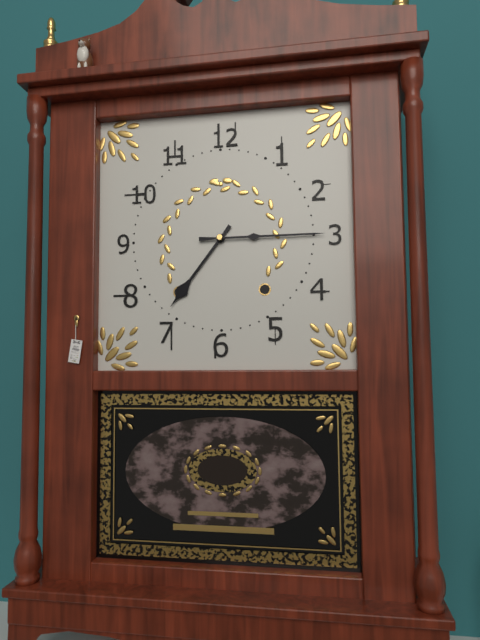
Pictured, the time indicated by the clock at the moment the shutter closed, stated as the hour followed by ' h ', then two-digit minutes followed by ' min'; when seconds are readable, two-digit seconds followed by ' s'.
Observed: 7 h 15 min
